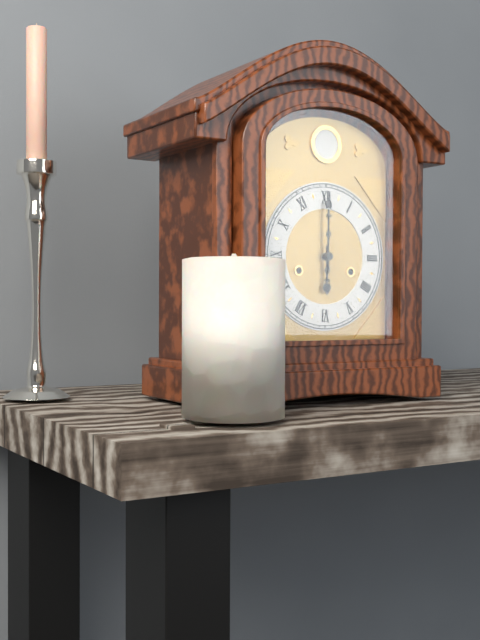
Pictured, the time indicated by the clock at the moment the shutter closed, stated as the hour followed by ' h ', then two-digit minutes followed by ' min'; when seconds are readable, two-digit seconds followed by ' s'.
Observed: 6 h 00 min
